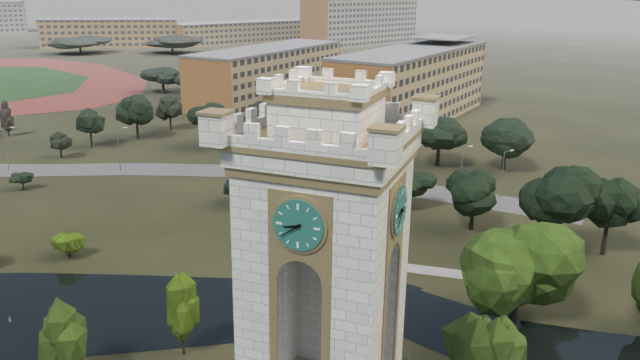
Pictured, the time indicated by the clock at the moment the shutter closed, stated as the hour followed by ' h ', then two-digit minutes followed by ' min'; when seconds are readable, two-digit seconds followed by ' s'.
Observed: 8 h 39 min
